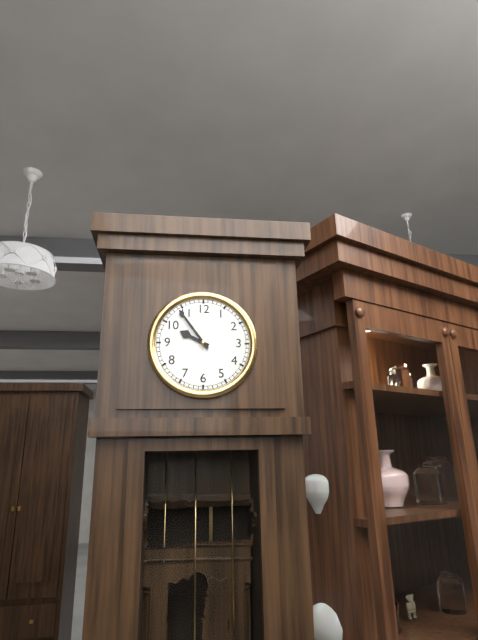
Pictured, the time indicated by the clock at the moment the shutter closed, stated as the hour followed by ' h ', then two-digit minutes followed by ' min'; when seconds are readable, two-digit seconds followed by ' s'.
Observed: 9 h 54 min
